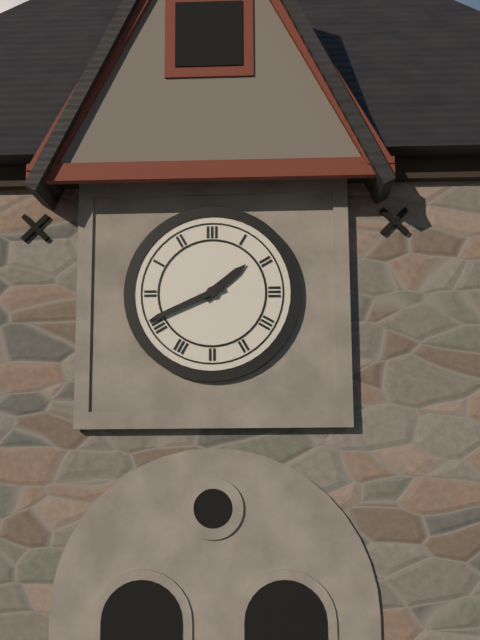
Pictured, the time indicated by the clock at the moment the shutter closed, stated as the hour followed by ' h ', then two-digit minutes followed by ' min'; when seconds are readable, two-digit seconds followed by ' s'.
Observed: 1 h 41 min
